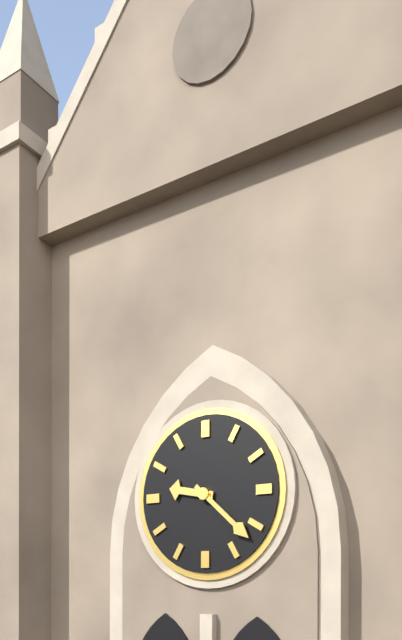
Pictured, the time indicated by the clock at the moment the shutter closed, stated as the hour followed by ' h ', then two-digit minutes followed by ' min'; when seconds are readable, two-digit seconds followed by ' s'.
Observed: 9 h 22 min
